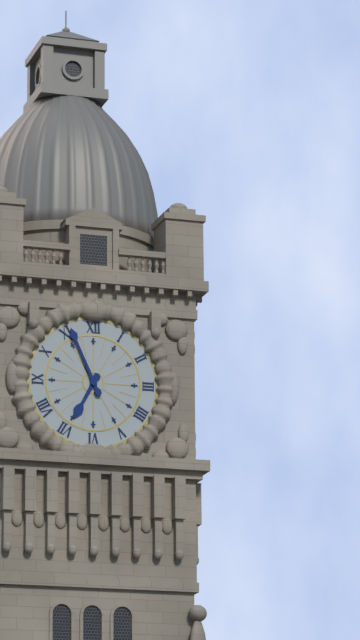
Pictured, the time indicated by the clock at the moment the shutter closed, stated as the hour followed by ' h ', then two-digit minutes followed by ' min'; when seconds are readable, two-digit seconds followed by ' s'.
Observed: 6 h 56 min
